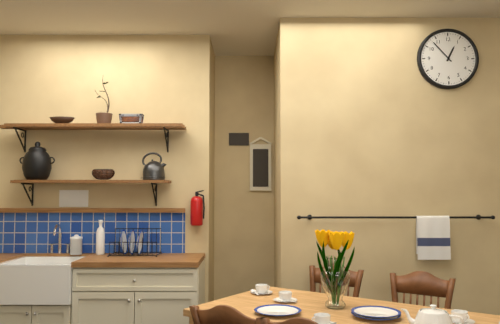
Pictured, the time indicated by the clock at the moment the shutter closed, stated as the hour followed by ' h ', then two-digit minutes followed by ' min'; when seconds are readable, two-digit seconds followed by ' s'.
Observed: 12 h 53 min
